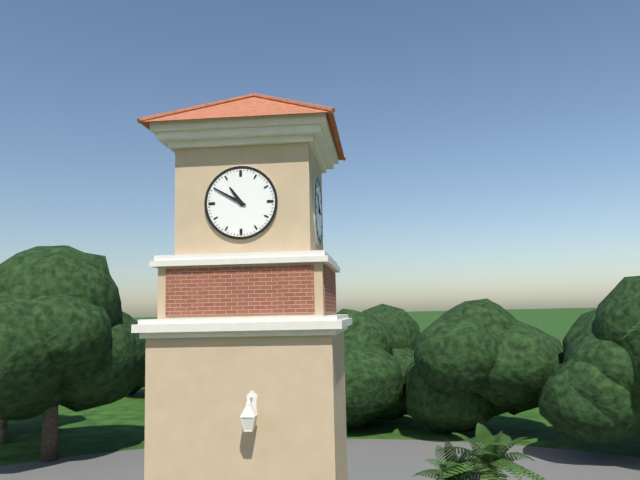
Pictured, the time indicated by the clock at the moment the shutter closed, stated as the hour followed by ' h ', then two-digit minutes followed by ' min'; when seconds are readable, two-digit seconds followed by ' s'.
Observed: 10 h 50 min
